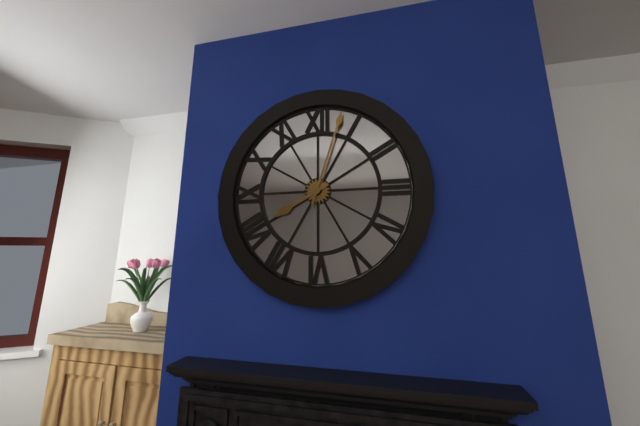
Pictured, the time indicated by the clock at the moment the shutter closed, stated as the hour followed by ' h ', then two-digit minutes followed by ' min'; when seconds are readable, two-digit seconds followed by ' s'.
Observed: 8 h 03 min
